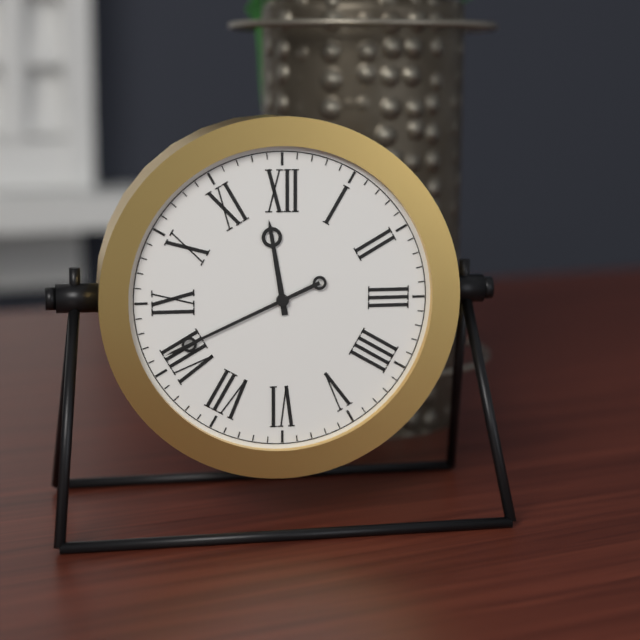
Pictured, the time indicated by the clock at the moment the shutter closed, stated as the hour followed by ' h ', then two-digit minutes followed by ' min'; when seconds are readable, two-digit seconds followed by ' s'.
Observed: 11 h 41 min
